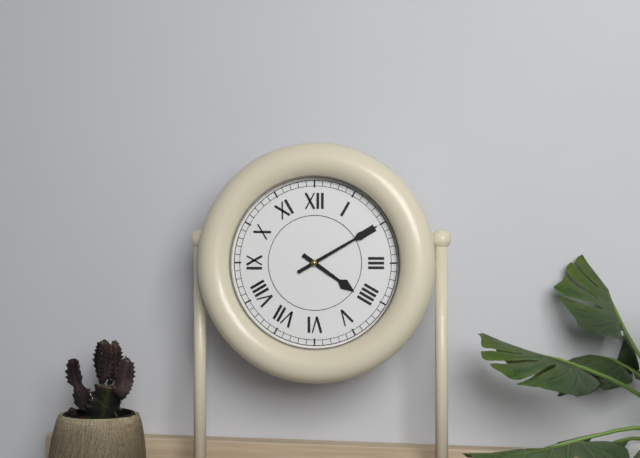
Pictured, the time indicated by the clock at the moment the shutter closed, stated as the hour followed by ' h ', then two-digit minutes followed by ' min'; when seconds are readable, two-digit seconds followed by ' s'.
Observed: 4 h 10 min
